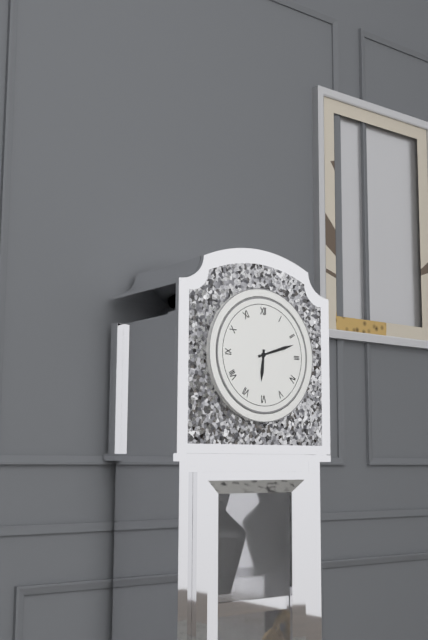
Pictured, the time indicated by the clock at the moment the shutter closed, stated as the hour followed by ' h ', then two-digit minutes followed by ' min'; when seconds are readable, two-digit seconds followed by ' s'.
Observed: 6 h 12 min
